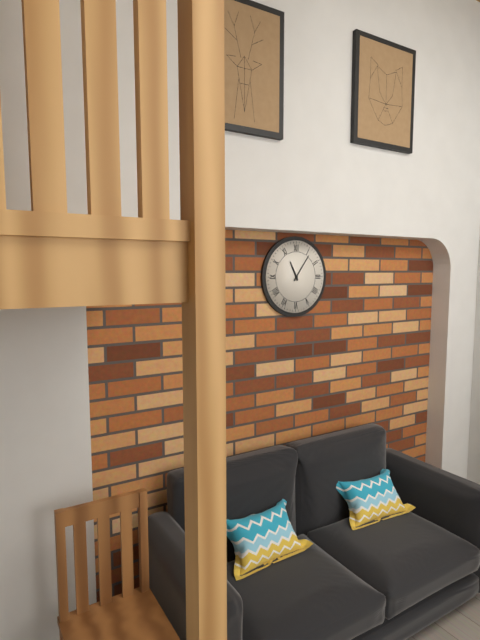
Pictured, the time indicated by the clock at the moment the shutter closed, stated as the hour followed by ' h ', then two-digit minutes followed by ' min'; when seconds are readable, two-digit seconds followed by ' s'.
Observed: 11 h 06 min
